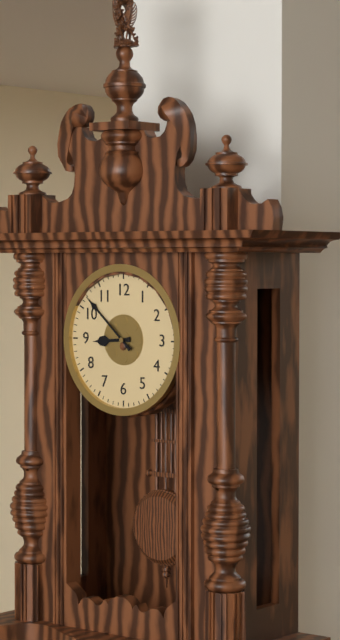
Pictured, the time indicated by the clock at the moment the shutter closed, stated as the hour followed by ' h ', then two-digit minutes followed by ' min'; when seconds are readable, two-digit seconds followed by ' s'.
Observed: 8 h 52 min
